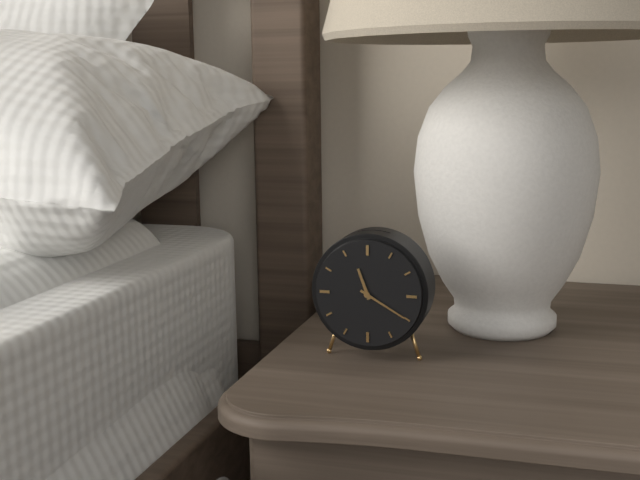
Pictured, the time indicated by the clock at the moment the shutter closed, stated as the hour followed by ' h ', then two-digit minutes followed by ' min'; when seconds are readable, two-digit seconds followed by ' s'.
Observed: 11 h 20 min
